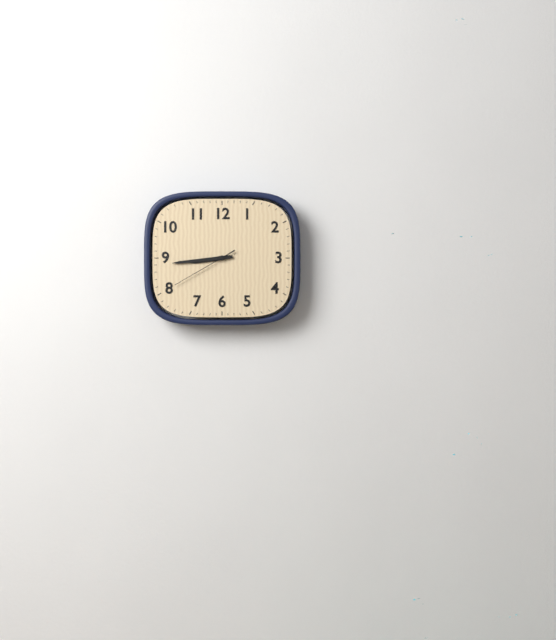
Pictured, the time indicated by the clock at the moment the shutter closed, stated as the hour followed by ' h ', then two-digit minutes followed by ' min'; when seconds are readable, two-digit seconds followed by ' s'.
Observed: 8 h 44 min 40 s
